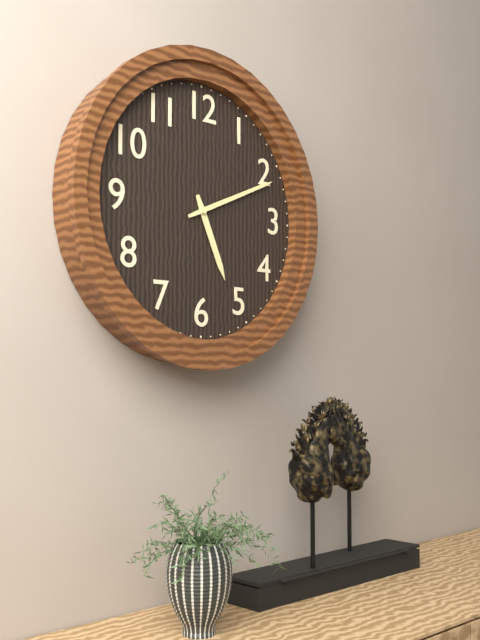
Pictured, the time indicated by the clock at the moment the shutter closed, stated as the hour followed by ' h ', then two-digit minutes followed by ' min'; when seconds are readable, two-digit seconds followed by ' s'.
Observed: 5 h 11 min
